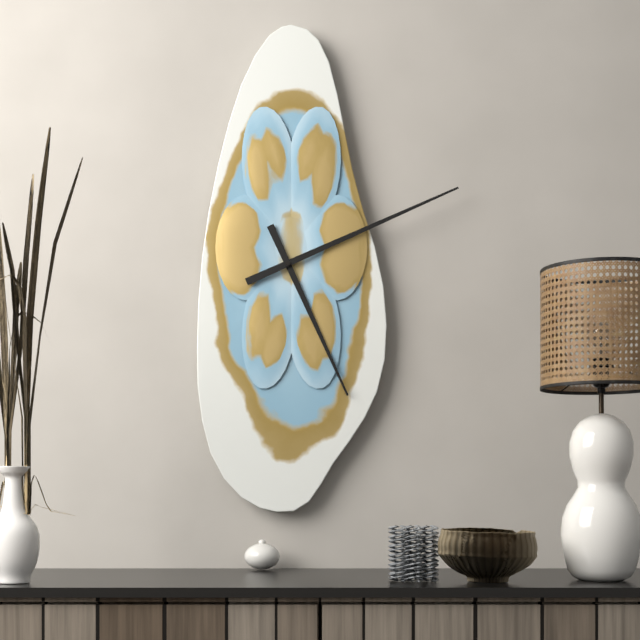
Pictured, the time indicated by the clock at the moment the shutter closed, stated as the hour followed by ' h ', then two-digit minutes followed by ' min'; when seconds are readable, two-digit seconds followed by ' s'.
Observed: 5 h 11 min
